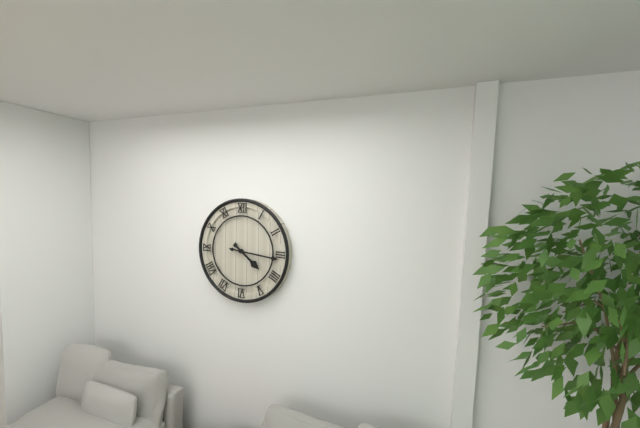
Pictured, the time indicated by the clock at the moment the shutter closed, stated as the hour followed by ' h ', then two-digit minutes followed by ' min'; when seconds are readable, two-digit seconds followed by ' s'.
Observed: 4 h 16 min
